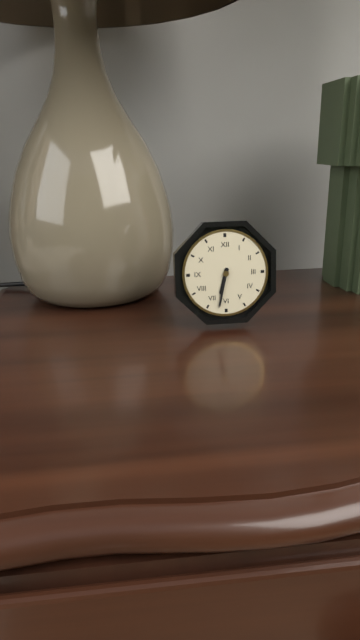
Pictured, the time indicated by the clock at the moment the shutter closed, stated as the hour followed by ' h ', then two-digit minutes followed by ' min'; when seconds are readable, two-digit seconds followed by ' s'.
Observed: 6 h 32 min
